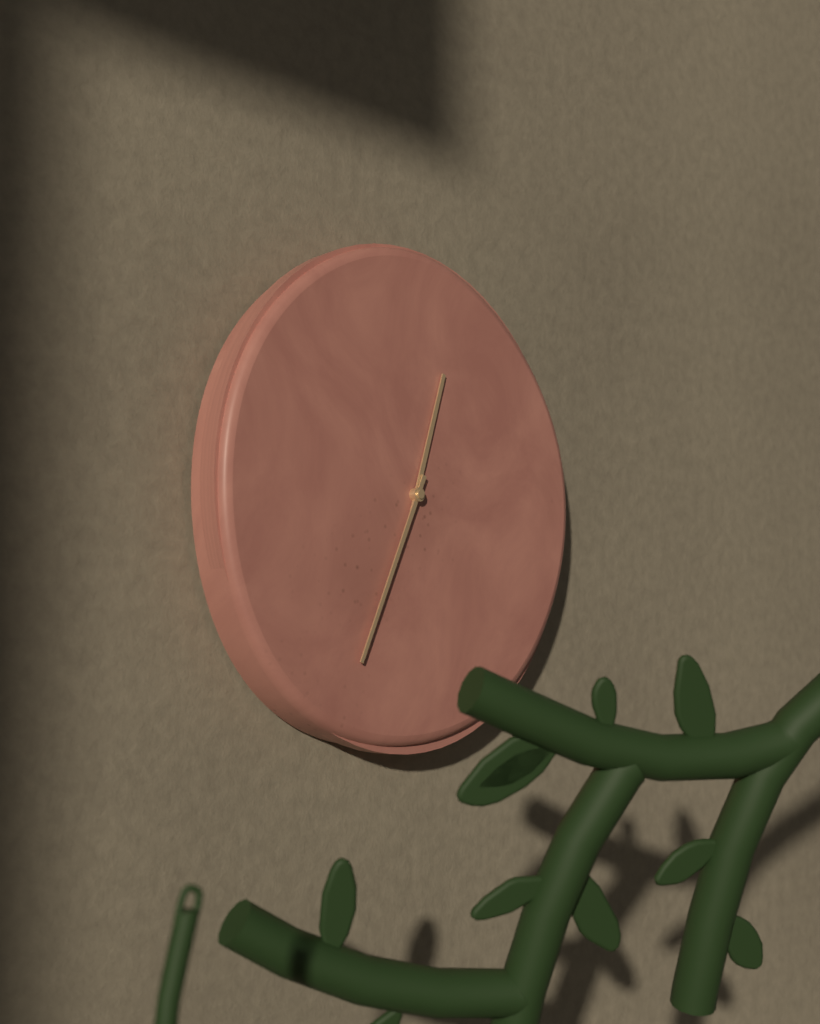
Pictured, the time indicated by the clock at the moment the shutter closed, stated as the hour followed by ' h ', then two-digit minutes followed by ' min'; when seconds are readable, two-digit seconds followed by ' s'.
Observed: 12 h 34 min
